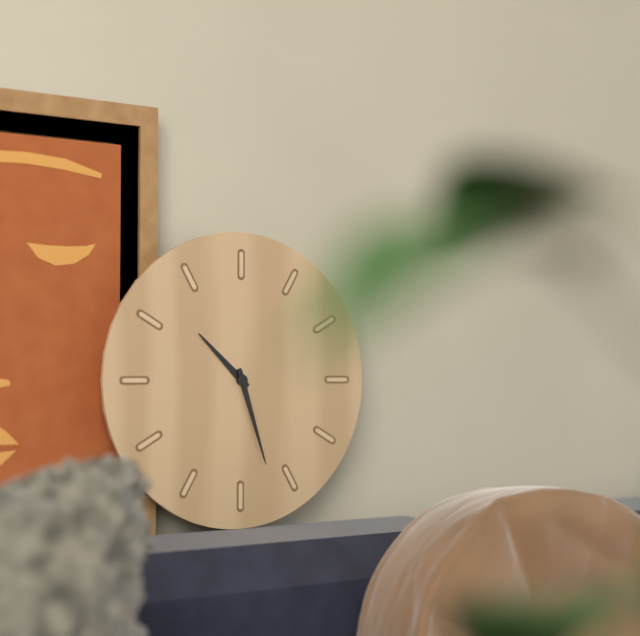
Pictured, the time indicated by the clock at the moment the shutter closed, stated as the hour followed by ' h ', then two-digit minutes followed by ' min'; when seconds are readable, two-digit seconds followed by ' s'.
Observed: 10 h 27 min
